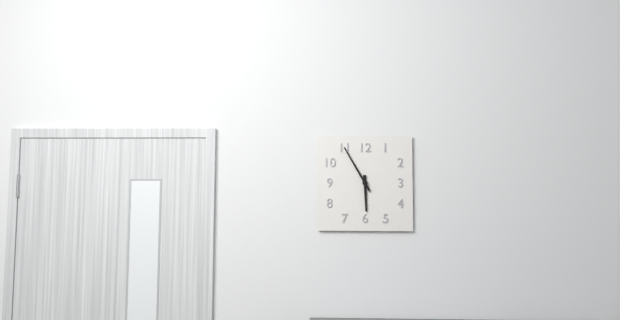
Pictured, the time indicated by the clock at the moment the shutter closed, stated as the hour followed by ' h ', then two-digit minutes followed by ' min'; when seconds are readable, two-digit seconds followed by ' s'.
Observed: 5 h 55 min
